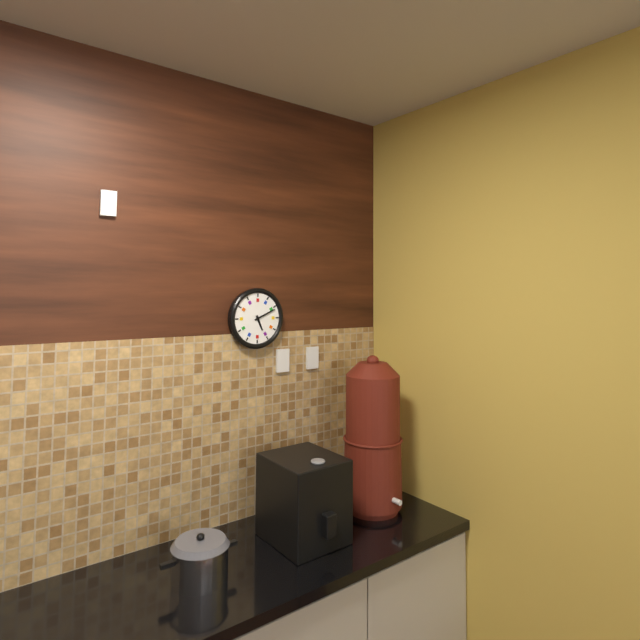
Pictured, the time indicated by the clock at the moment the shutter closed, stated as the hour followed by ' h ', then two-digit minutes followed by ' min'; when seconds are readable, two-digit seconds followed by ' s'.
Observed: 5 h 11 min
